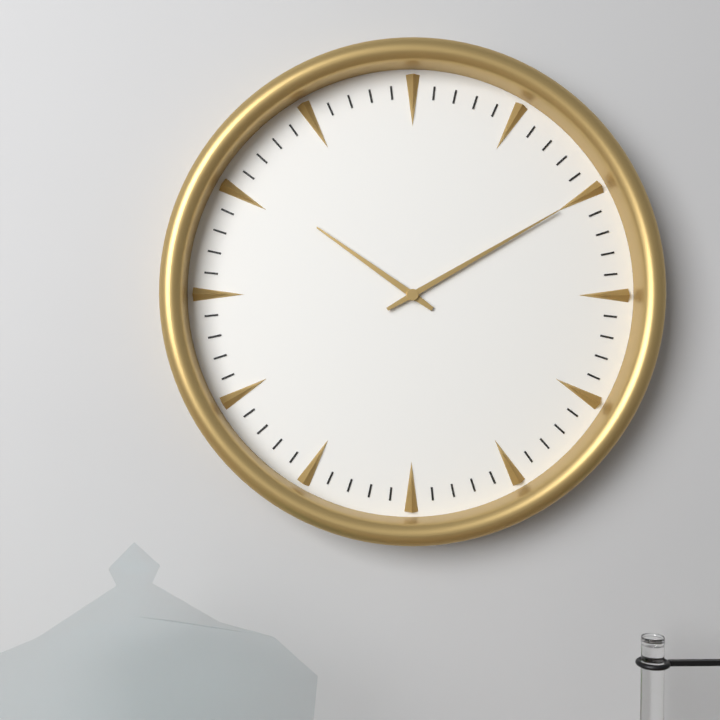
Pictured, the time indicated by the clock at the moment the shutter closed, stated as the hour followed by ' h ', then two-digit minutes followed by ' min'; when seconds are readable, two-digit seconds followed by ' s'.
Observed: 10 h 10 min
